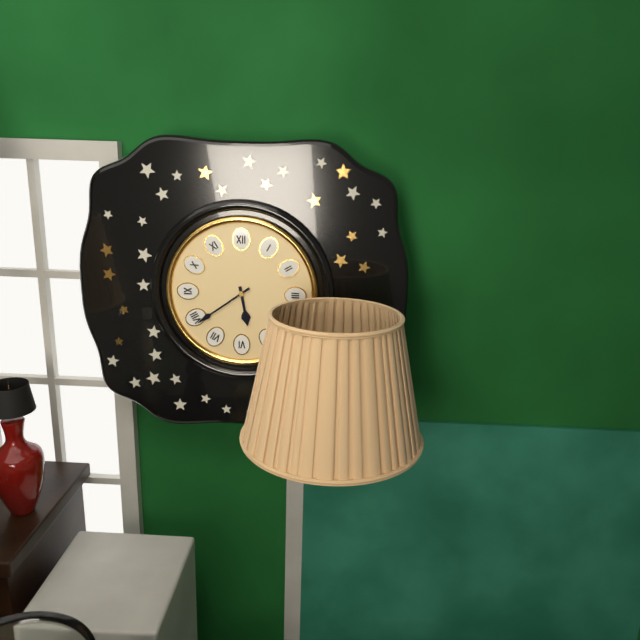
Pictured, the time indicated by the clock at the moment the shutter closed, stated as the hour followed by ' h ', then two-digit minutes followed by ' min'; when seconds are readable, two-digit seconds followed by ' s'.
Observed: 5 h 39 min
